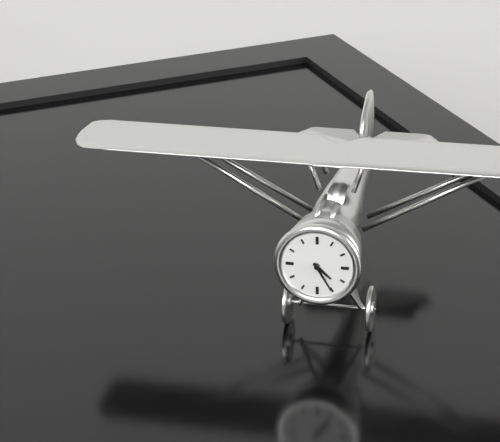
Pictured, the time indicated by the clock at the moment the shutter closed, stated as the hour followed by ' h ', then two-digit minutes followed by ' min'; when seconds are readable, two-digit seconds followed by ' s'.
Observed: 4 h 25 min
